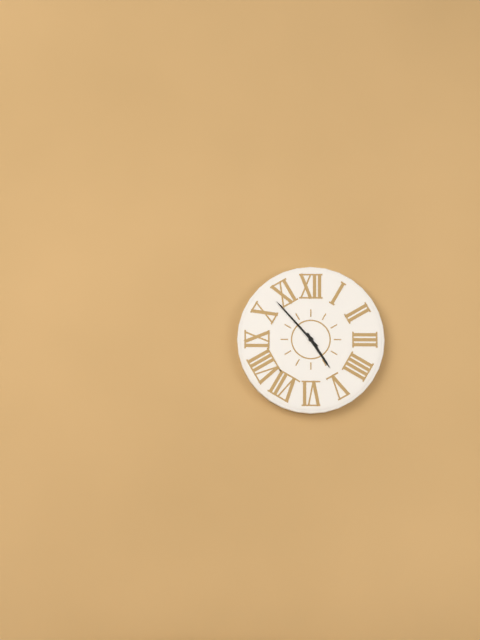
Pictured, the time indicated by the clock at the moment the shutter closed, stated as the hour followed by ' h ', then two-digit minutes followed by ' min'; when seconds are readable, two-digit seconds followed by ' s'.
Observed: 4 h 53 min
